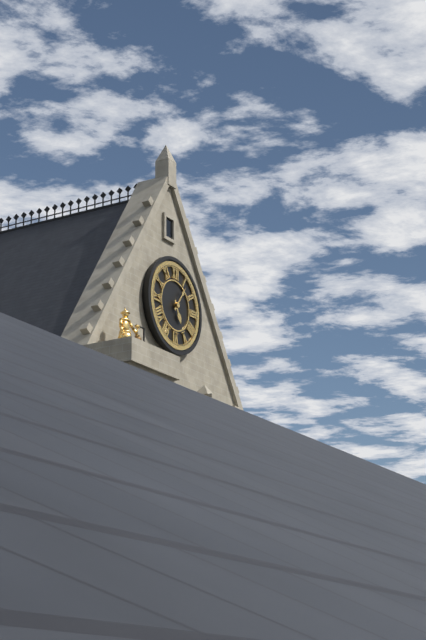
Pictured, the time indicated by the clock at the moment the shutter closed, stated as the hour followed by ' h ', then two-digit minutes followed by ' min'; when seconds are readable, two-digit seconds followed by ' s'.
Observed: 5 h 06 min
